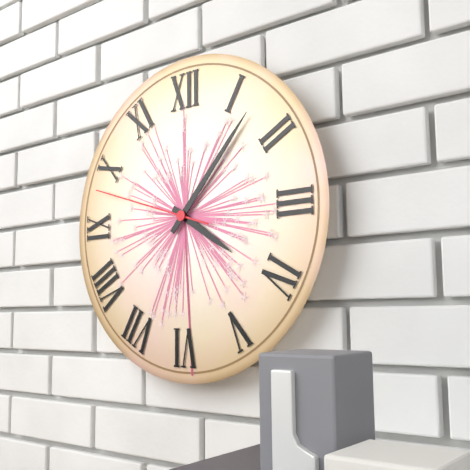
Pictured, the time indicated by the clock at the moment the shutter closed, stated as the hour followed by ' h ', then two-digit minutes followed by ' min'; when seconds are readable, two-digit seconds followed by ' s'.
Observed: 4 h 07 min 48 s
